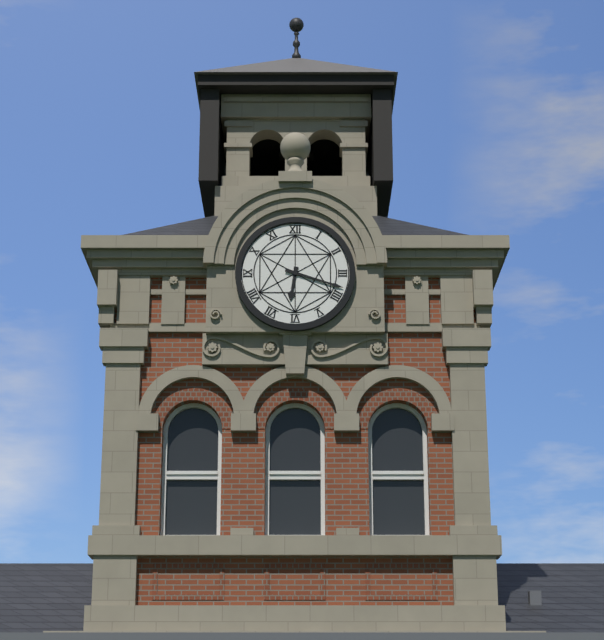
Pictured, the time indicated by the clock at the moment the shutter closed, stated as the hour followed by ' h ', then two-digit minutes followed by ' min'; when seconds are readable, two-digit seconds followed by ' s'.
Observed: 6 h 18 min
